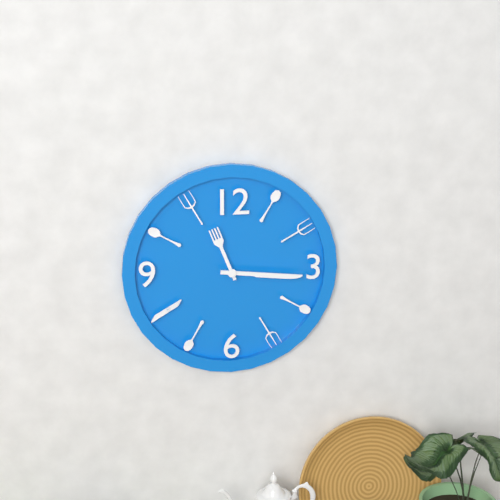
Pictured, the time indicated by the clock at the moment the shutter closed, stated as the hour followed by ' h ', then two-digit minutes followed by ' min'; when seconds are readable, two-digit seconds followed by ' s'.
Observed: 11 h 16 min
